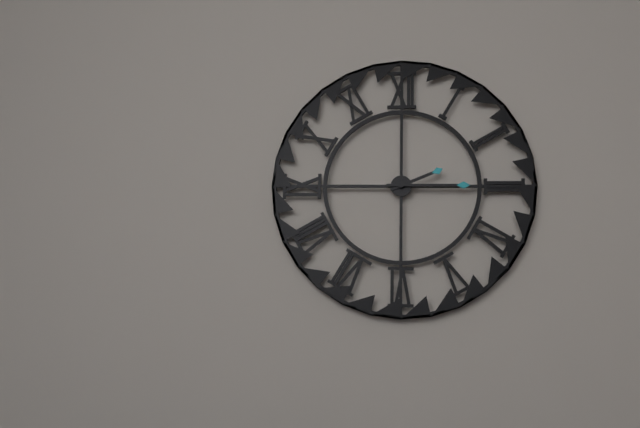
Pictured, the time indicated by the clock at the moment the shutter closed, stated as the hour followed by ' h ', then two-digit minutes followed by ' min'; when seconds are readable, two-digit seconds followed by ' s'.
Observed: 2 h 15 min
